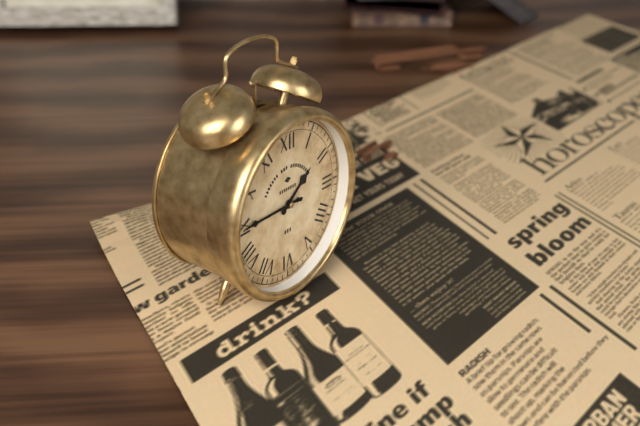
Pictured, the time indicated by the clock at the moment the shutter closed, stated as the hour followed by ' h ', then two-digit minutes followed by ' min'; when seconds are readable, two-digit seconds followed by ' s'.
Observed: 1 h 45 min 45 s
